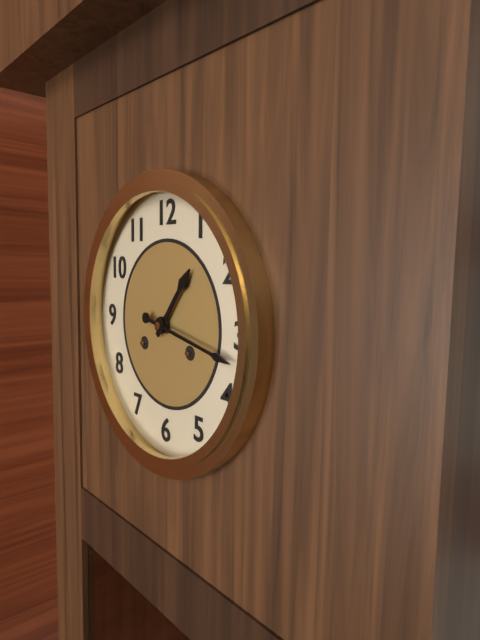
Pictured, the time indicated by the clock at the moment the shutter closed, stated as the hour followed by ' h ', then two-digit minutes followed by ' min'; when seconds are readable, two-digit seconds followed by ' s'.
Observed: 1 h 17 min
